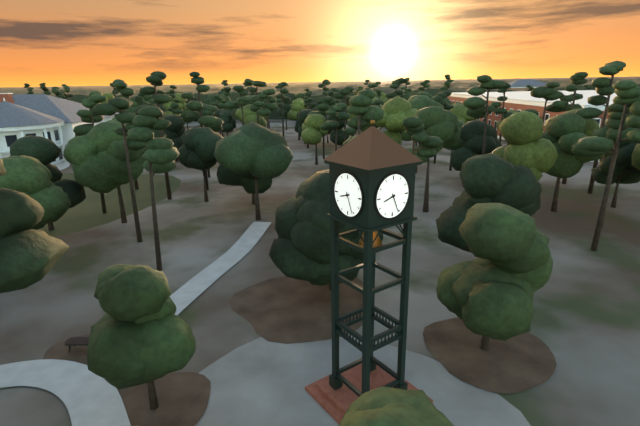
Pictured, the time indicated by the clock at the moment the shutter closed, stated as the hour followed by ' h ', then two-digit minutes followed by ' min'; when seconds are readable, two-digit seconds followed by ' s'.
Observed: 8 h 26 min
